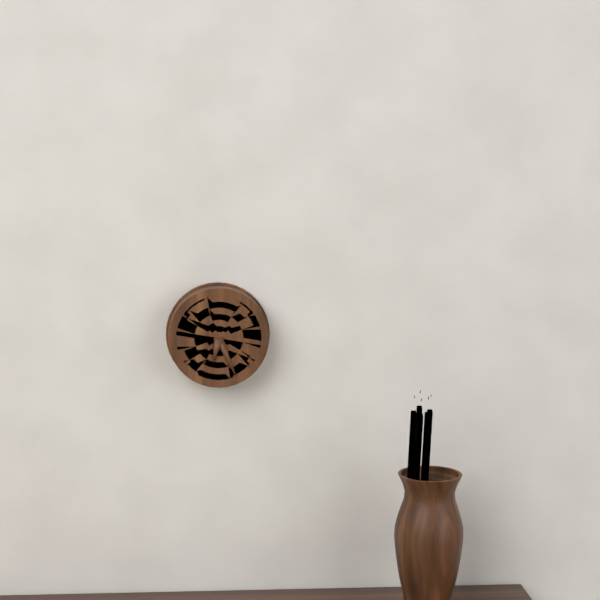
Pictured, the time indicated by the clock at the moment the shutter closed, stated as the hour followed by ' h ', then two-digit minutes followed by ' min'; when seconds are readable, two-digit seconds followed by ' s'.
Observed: 6 h 26 min
